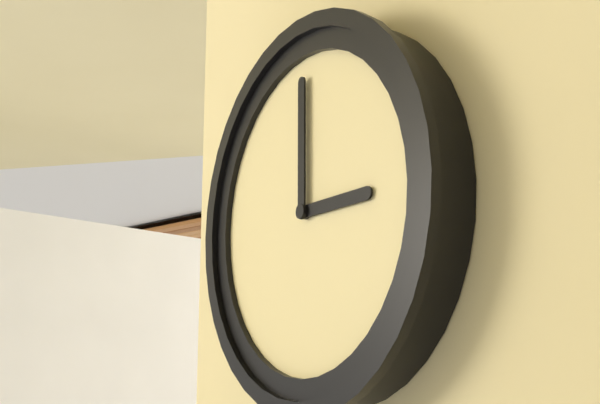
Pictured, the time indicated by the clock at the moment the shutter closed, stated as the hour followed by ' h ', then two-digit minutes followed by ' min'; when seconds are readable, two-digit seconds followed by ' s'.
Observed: 3 h 00 min
